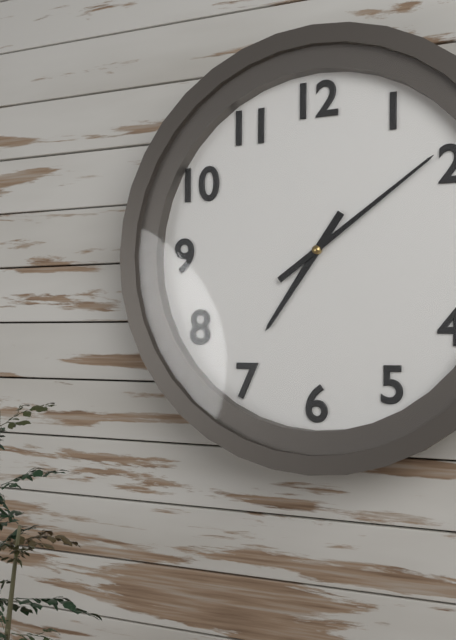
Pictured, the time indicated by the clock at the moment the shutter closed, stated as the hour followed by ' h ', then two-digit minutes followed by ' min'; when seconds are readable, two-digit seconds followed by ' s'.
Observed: 7 h 09 min
